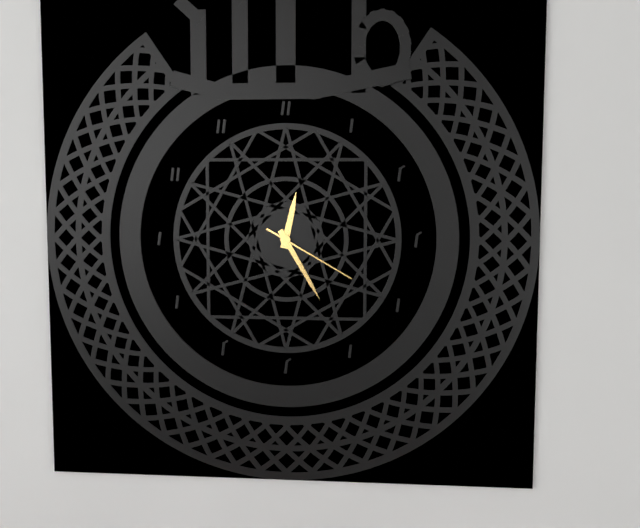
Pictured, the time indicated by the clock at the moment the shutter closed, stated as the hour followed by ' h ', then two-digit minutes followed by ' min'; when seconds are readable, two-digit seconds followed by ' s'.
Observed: 12 h 25 min 20 s
